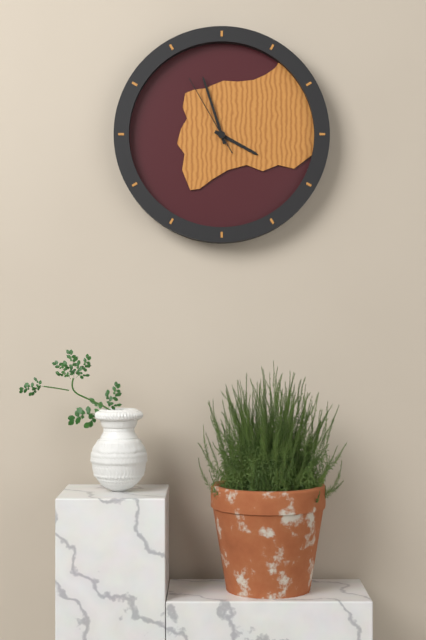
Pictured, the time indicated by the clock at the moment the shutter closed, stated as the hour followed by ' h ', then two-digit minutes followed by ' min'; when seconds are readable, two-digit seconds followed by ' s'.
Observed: 3 h 57 min 55 s
